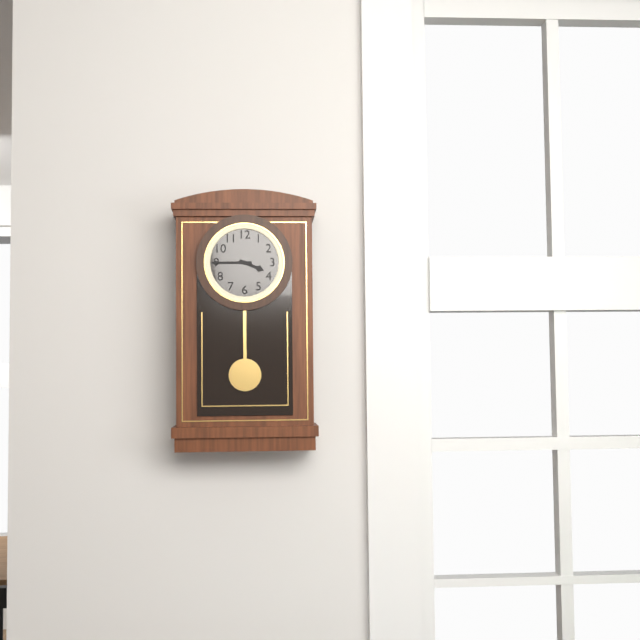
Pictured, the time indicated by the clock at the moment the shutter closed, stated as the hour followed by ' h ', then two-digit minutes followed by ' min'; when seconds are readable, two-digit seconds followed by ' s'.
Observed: 3 h 45 min
